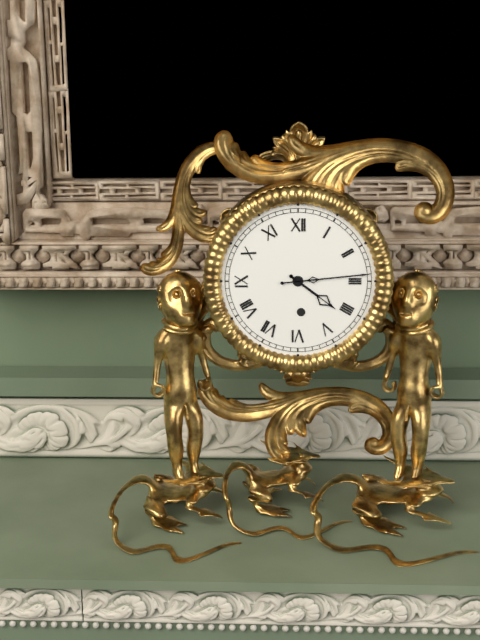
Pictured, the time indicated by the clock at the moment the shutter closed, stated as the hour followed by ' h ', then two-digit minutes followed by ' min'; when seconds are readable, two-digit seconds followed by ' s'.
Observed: 4 h 14 min
